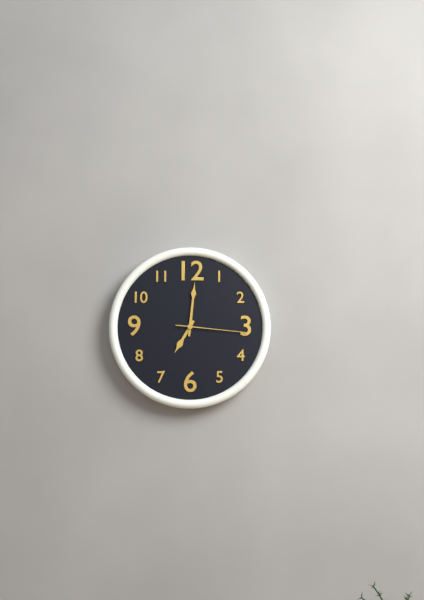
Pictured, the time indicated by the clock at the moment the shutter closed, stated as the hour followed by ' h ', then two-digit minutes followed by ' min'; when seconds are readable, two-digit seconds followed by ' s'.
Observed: 7 h 01 min 16 s
